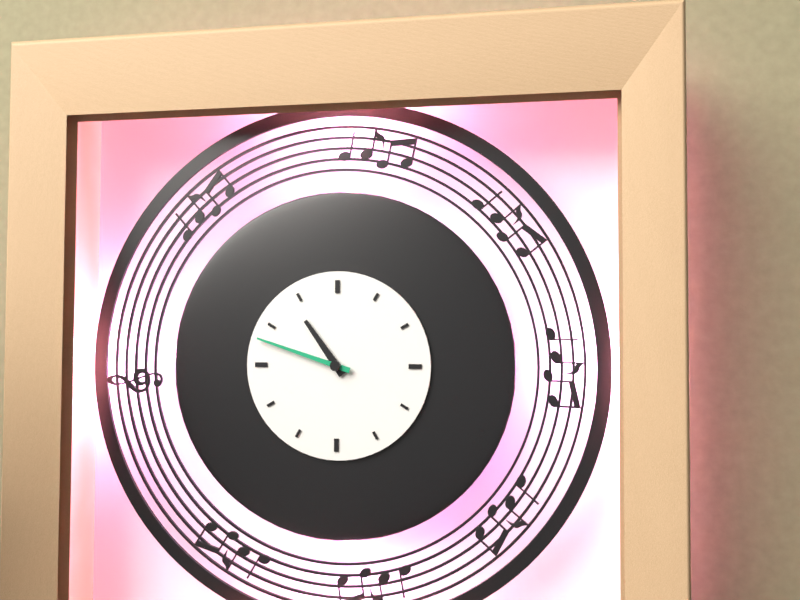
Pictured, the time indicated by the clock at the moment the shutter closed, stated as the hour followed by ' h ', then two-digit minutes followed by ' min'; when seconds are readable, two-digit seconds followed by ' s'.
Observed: 10 h 48 min
